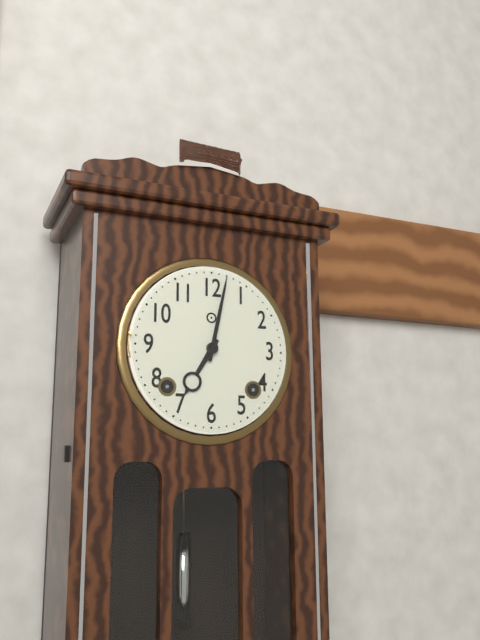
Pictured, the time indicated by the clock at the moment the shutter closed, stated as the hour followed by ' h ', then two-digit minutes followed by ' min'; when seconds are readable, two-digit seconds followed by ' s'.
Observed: 7 h 02 min
